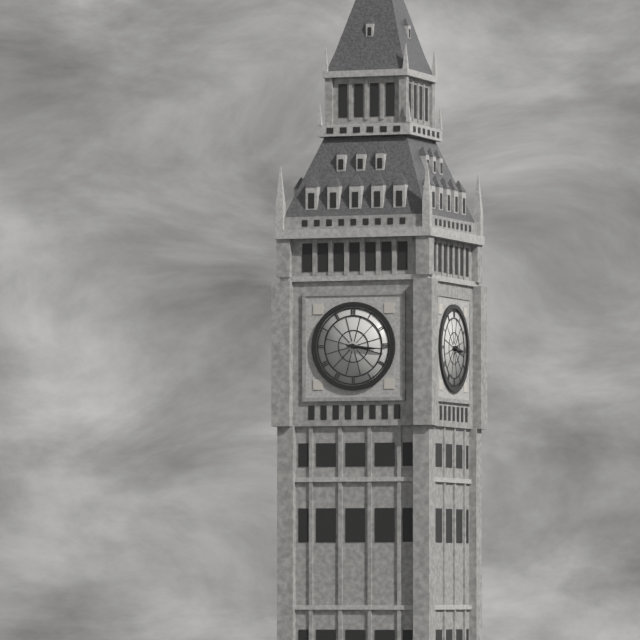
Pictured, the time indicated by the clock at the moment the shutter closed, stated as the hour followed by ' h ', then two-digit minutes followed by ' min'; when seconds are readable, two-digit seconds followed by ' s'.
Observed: 3 h 16 min
